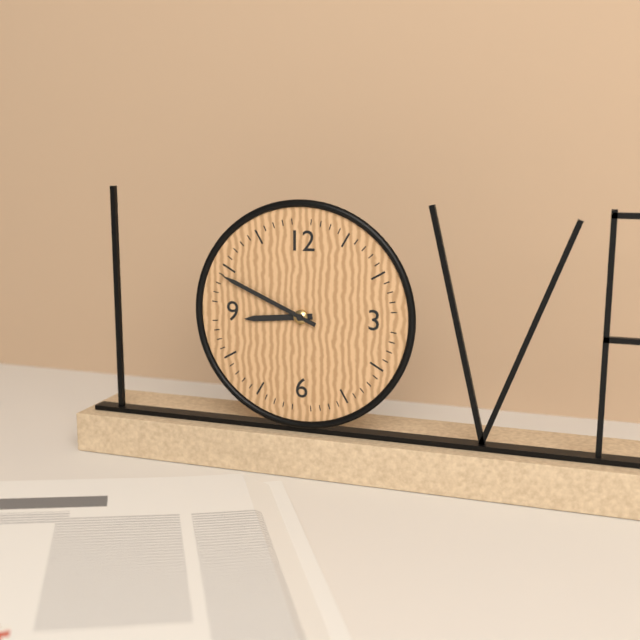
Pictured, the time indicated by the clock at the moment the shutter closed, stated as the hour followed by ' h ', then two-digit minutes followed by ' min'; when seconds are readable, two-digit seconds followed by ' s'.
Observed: 8 h 49 min
